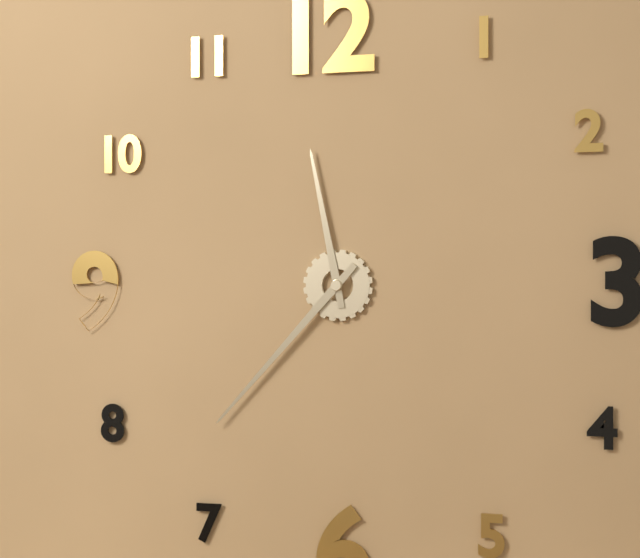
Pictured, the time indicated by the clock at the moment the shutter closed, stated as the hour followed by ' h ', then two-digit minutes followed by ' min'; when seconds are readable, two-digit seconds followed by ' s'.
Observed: 11 h 37 min
